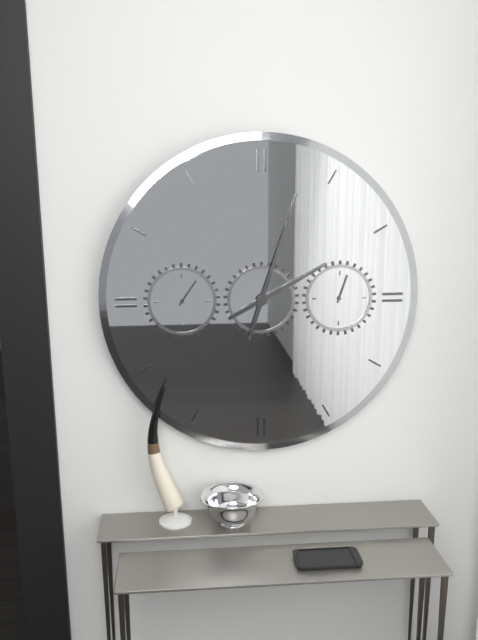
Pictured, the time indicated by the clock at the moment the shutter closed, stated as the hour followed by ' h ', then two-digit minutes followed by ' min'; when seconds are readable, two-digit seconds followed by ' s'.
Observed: 2 h 03 min
